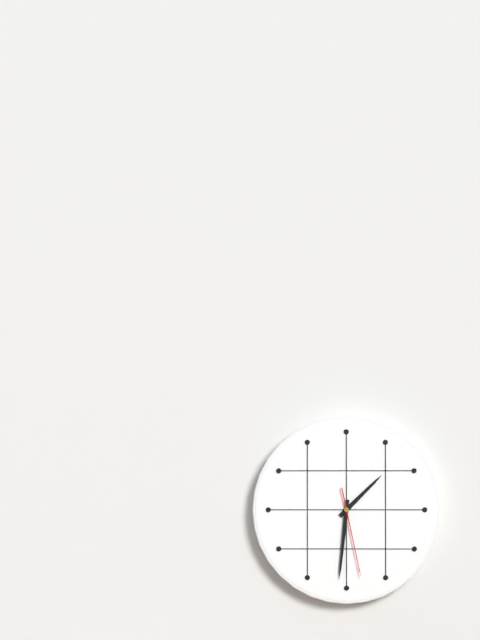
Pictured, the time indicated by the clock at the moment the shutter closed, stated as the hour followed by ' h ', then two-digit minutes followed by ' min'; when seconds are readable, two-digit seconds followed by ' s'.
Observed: 1 h 31 min 28 s
